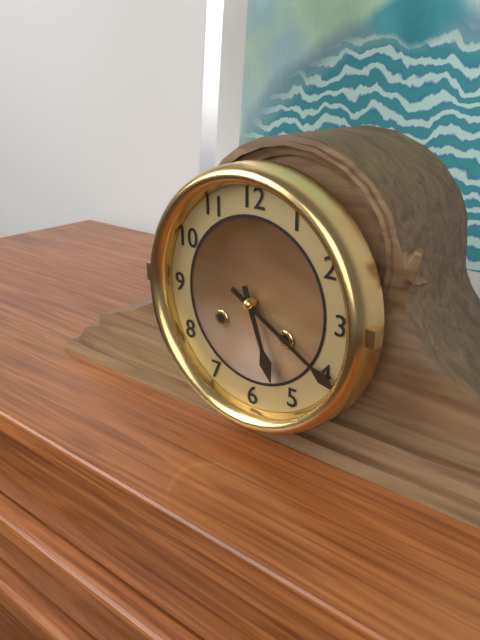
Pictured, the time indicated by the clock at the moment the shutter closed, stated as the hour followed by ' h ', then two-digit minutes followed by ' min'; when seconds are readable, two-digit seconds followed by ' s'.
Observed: 5 h 20 min
